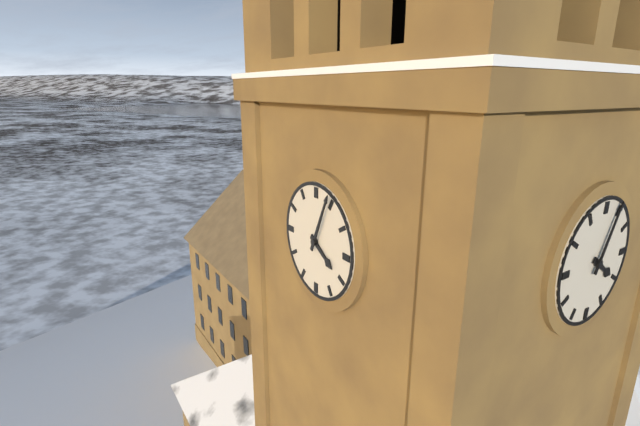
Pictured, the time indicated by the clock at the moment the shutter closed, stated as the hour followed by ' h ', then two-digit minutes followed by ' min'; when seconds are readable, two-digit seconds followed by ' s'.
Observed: 4 h 04 min
